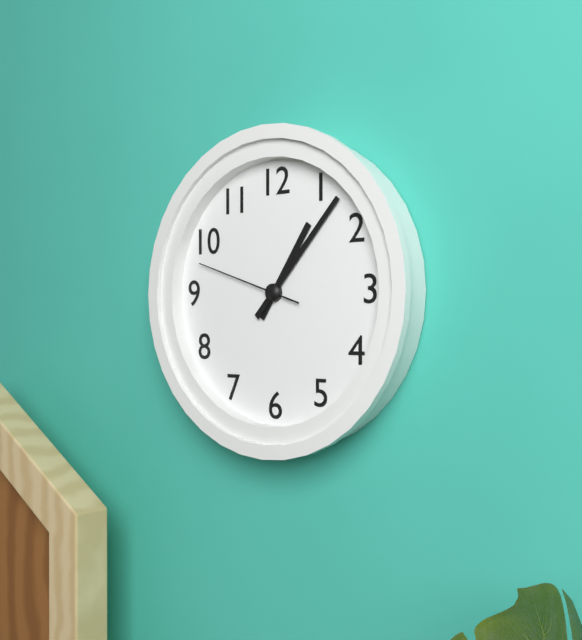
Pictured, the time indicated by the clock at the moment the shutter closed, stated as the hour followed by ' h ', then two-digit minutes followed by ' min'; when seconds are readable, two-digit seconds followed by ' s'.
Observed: 1 h 07 min 48 s
